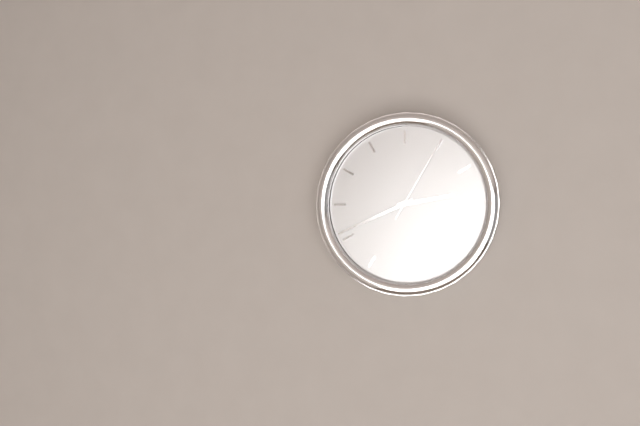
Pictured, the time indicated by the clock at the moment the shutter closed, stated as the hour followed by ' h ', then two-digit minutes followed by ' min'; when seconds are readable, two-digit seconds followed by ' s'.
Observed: 2 h 41 min 05 s
